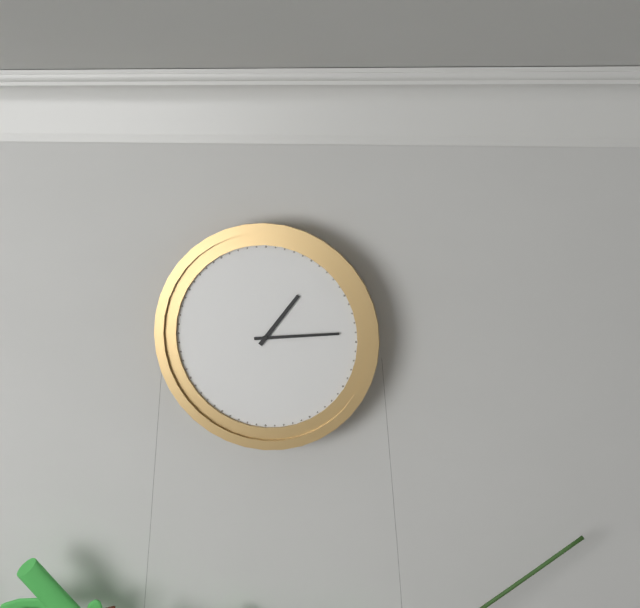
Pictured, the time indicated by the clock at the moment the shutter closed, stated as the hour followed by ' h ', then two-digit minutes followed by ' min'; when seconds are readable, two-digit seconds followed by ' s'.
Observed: 1 h 14 min
